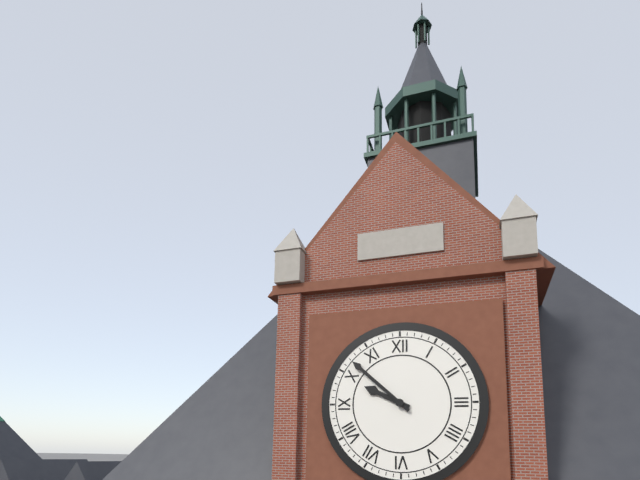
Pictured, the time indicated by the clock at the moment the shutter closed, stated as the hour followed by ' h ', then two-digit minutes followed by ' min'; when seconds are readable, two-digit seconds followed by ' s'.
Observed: 9 h 52 min
